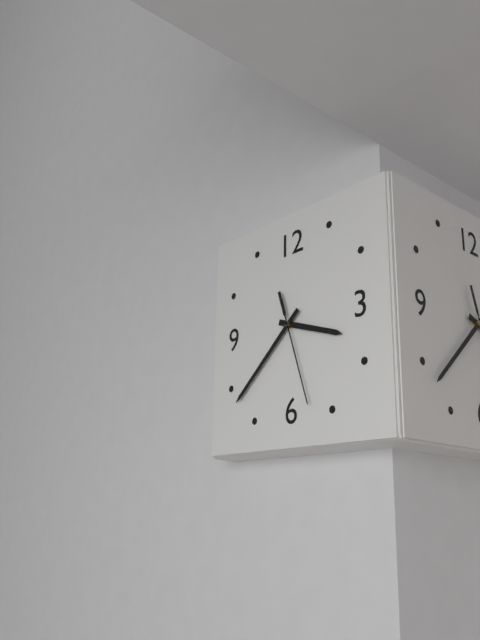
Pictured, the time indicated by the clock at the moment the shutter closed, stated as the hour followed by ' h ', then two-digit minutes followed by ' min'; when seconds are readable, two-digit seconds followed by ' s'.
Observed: 3 h 38 min 27 s
